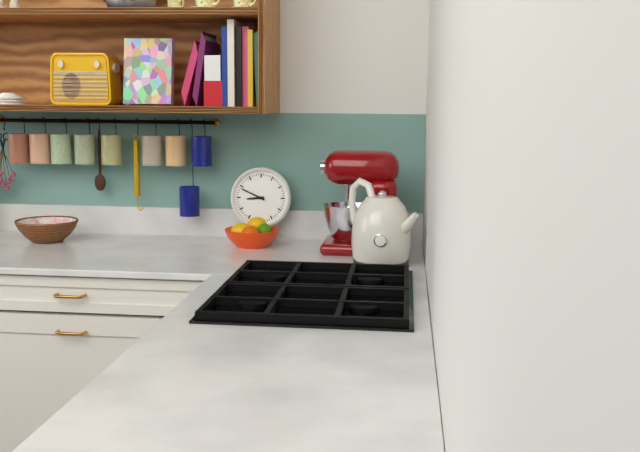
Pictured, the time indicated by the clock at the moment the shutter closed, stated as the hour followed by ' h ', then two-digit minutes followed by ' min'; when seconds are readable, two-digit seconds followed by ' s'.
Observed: 8 h 49 min
